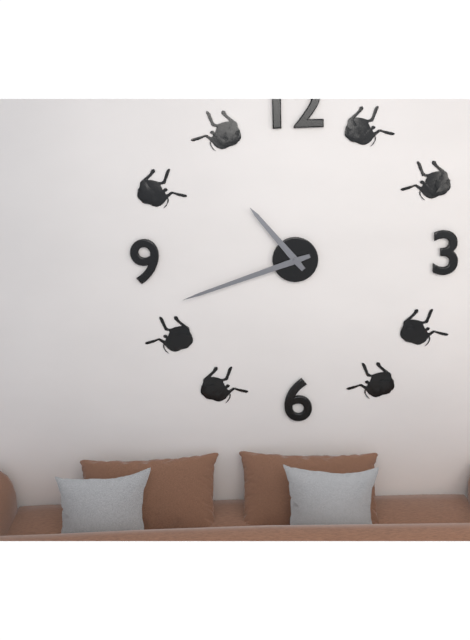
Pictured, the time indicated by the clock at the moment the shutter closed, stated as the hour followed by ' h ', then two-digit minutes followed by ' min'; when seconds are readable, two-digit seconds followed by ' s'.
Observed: 10 h 42 min
